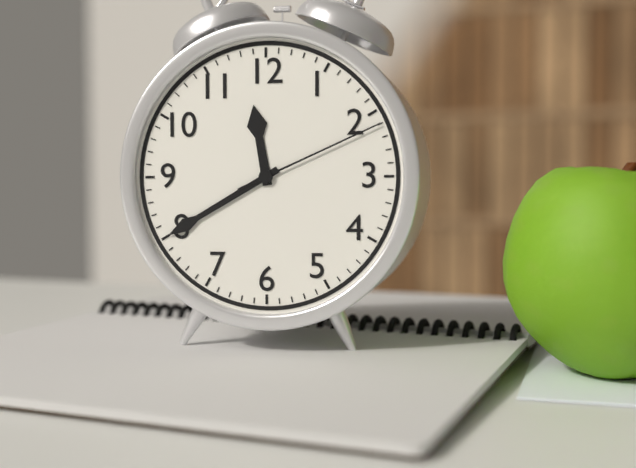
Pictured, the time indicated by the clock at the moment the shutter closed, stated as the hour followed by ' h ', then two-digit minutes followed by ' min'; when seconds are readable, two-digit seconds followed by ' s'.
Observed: 11 h 40 min 11 s
